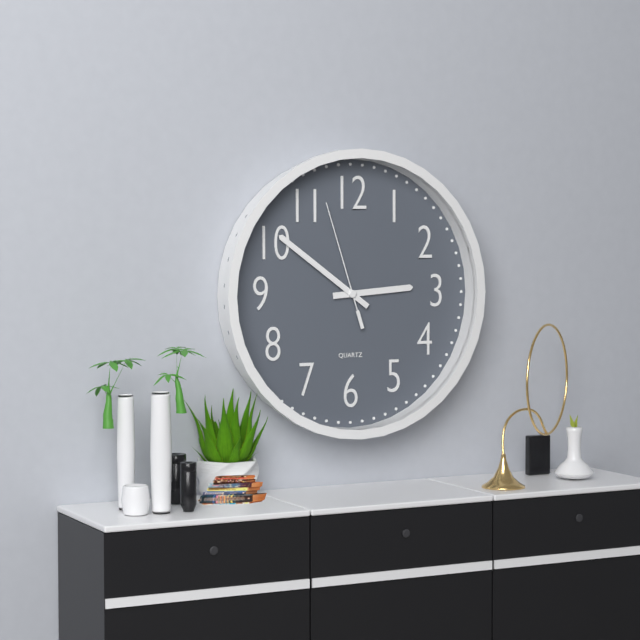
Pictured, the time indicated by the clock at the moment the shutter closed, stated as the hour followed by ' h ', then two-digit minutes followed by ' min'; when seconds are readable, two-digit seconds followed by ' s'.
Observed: 2 h 51 min 57 s
